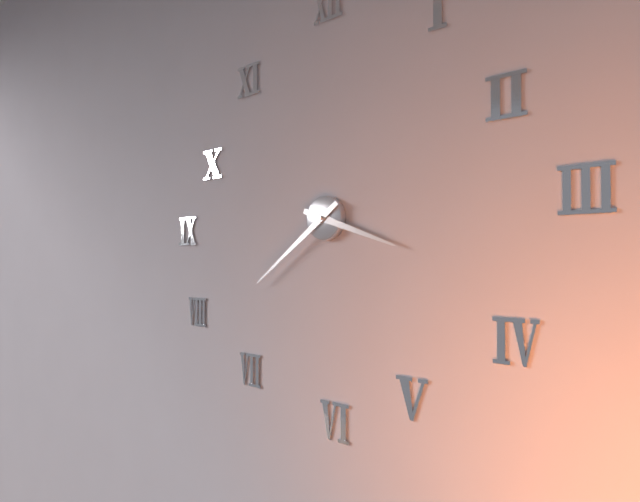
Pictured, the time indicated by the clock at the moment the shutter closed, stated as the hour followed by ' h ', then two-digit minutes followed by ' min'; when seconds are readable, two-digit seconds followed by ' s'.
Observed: 3 h 39 min
